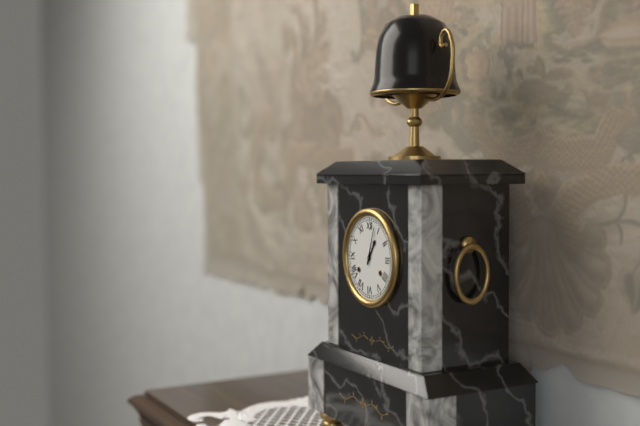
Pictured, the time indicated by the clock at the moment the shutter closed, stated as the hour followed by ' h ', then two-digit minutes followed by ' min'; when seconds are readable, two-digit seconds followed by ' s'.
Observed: 1 h 03 min
